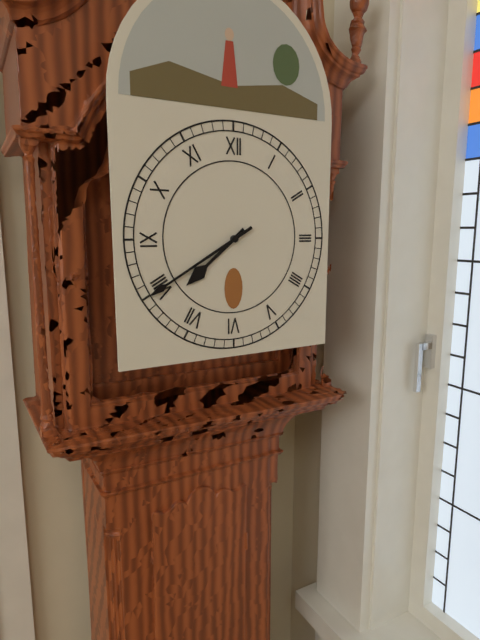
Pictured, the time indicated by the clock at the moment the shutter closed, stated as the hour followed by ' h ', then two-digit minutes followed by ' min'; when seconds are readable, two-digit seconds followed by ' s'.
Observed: 7 h 40 min
